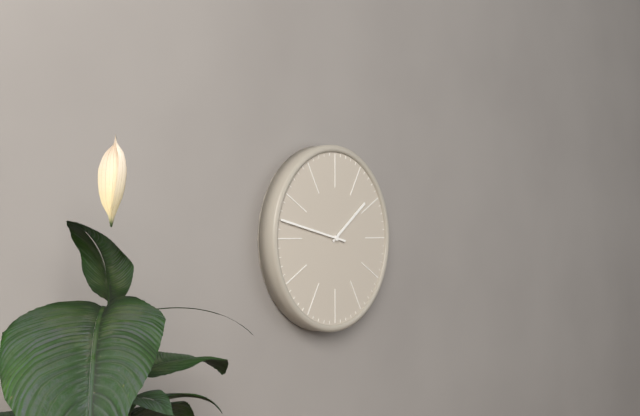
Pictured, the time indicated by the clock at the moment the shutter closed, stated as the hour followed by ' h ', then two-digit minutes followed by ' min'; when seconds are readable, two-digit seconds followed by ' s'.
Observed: 1 h 47 min
